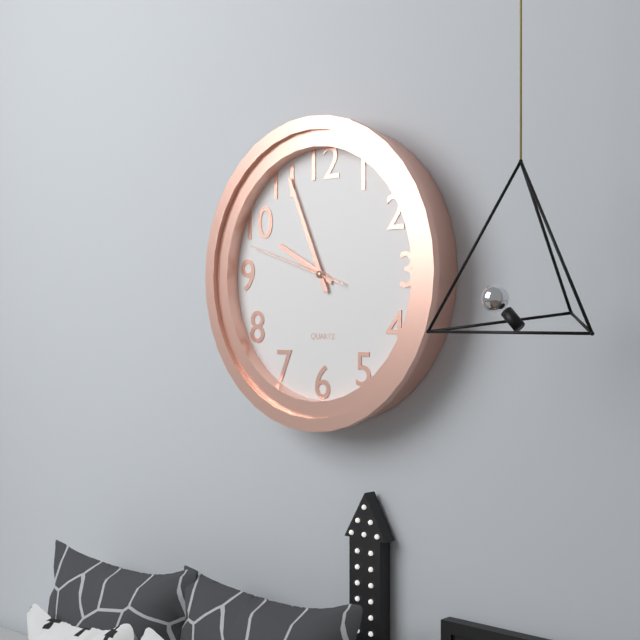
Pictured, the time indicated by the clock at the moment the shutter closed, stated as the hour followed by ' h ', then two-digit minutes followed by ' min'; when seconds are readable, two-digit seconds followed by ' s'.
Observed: 9 h 56 min 48 s
